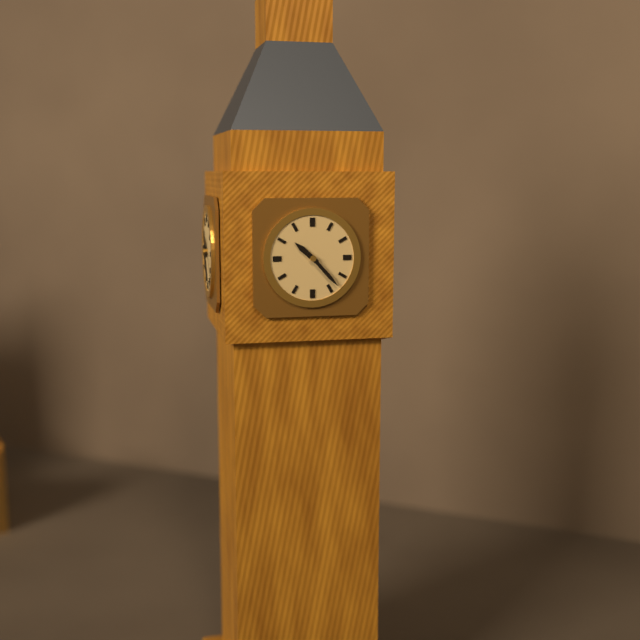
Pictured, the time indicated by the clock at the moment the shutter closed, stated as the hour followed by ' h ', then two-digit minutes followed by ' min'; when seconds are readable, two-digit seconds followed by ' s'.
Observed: 10 h 23 min
